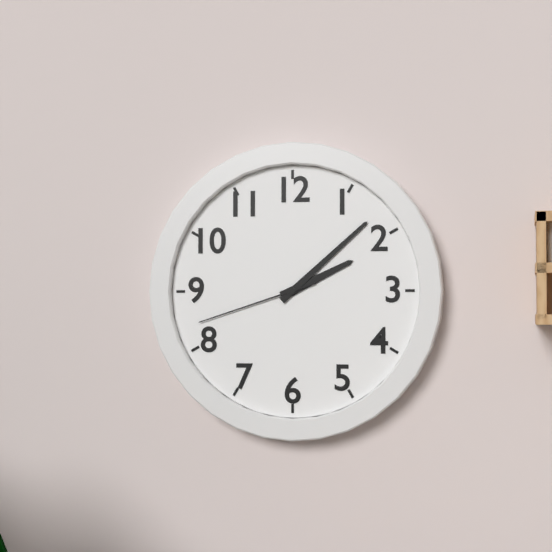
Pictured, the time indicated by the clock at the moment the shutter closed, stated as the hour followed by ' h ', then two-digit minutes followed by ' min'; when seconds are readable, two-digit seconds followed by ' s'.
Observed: 2 h 08 min 42 s
